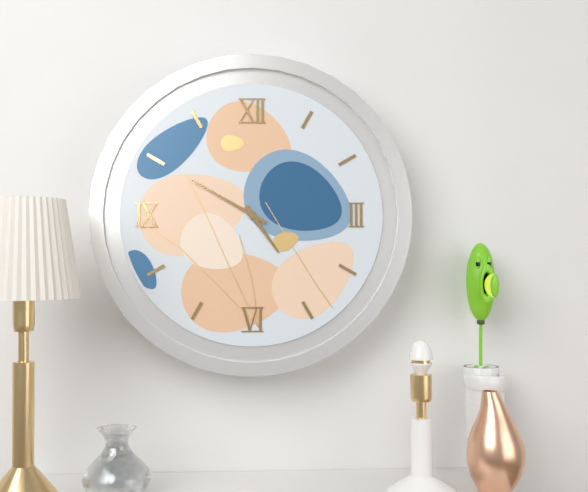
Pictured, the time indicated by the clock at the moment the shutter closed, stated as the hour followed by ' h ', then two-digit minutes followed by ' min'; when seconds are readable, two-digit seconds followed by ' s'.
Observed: 4 h 50 min
